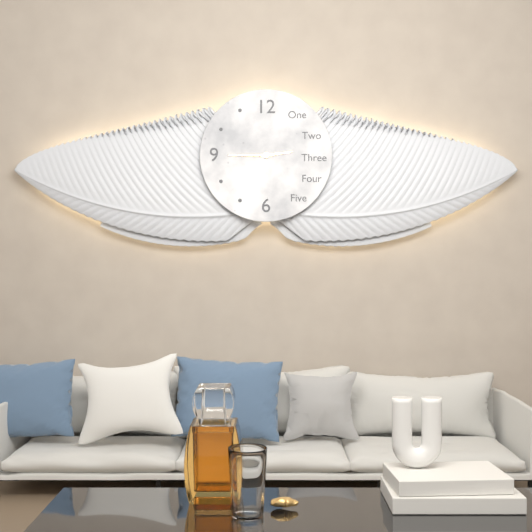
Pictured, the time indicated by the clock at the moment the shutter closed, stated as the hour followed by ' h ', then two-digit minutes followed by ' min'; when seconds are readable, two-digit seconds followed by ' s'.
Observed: 2 h 45 min
